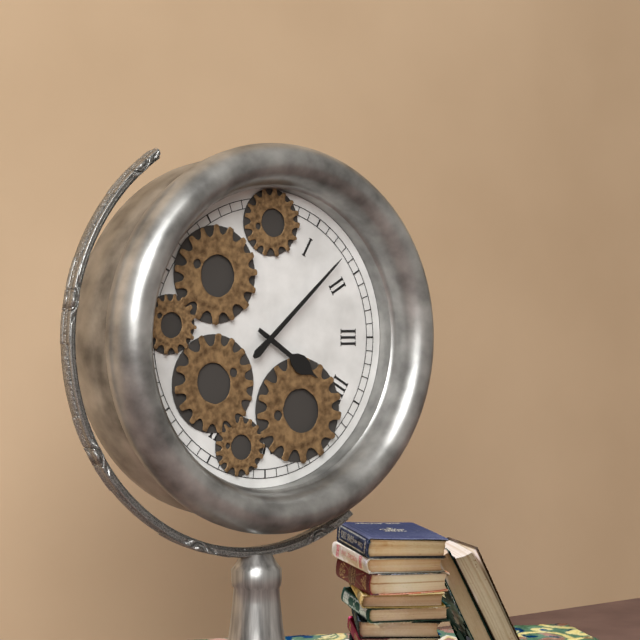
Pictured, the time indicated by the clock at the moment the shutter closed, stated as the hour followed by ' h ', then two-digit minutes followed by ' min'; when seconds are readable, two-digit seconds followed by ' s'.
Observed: 4 h 08 min
